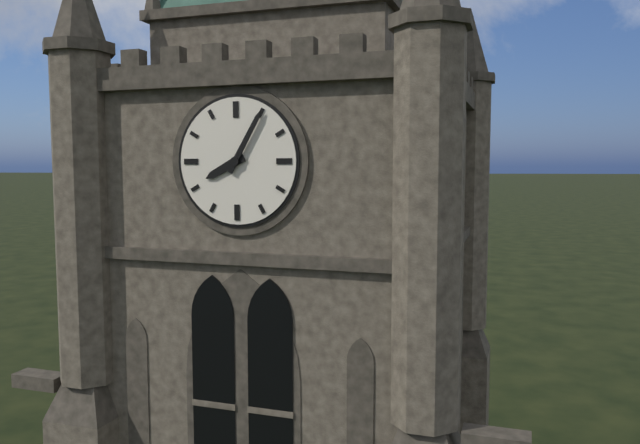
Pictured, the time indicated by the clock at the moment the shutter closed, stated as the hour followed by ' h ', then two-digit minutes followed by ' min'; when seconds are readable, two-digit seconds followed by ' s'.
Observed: 8 h 05 min
